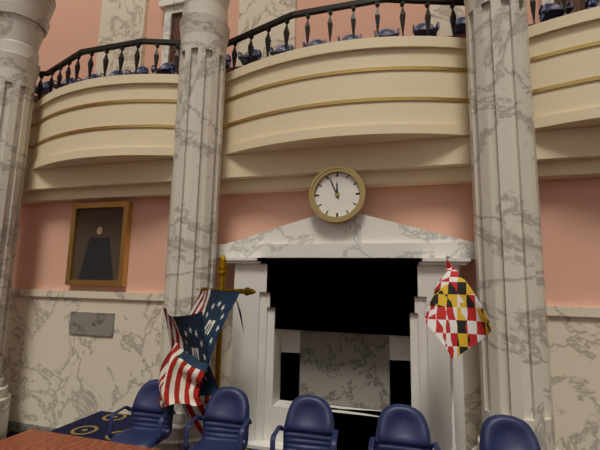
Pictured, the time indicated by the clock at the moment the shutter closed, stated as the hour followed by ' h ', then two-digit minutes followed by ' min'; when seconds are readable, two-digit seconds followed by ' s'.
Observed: 11 h 56 min
